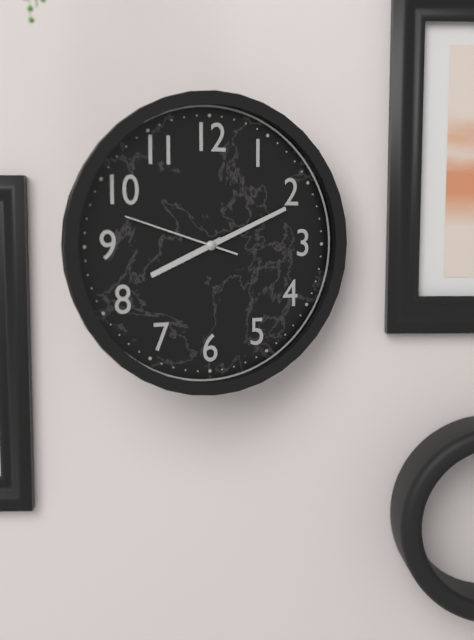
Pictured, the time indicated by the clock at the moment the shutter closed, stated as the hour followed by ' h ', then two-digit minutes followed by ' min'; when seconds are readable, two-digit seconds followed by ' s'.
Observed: 8 h 11 min 48 s
